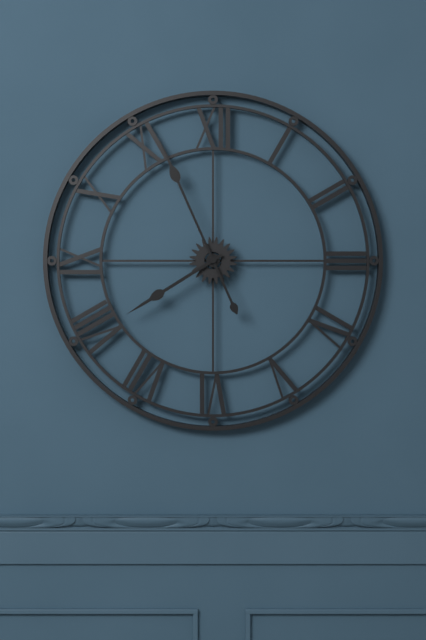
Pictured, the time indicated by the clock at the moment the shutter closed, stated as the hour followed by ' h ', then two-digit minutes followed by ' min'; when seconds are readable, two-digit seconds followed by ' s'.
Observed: 7 h 56 min
